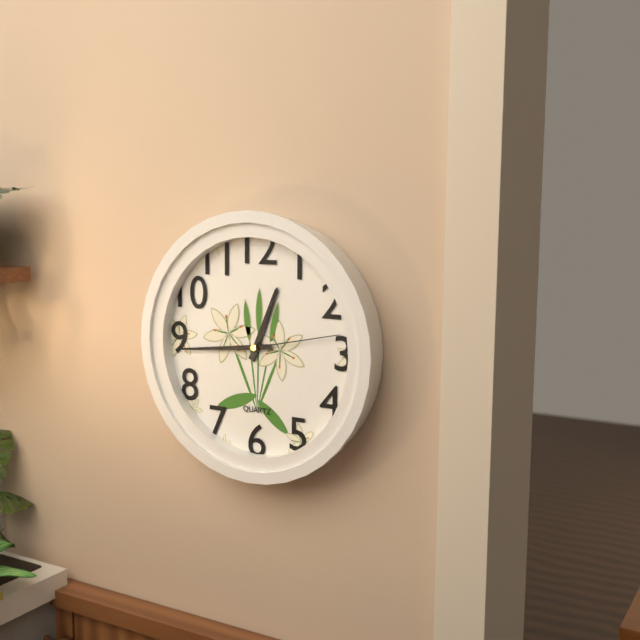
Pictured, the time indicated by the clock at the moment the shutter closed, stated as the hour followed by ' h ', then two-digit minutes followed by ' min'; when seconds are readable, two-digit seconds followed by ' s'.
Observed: 12 h 44 min 13 s
